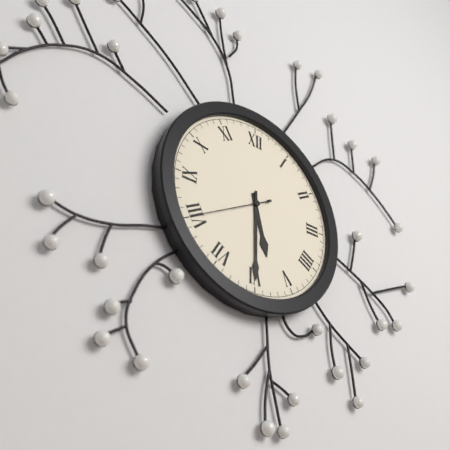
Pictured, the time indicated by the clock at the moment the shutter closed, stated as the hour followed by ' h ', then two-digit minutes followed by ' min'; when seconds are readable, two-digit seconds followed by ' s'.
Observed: 5 h 30 min 40 s
